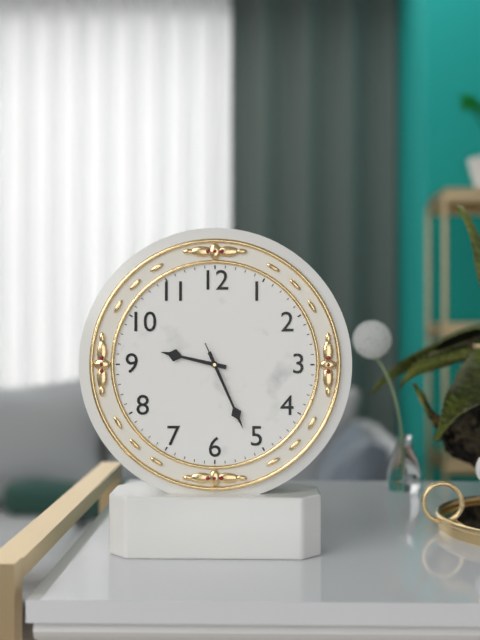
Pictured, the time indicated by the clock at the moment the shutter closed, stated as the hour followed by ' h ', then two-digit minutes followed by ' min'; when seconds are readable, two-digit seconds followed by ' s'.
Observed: 9 h 26 min 26 s
